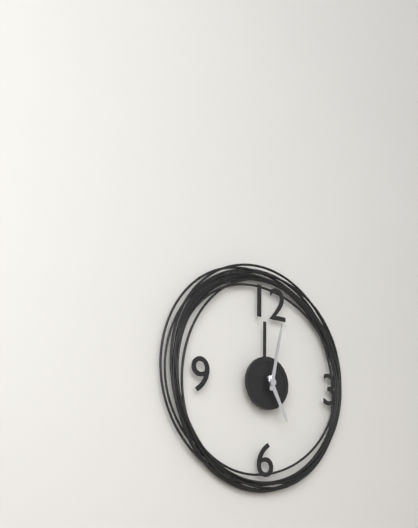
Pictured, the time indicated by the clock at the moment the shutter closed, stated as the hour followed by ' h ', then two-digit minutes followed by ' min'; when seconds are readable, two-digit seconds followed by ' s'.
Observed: 5 h 02 min
